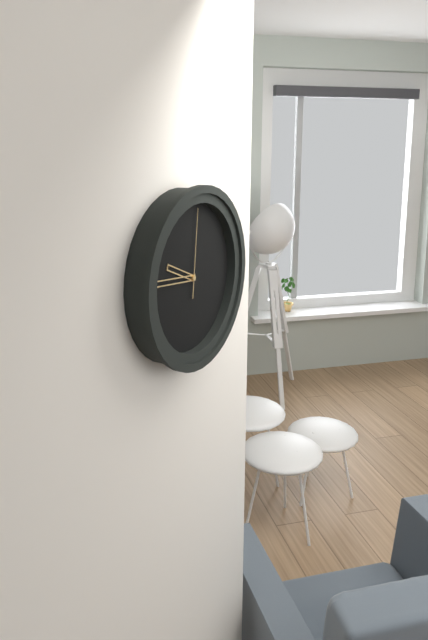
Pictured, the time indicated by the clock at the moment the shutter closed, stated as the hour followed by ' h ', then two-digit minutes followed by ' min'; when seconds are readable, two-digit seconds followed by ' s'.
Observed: 9 h 46 min 01 s
